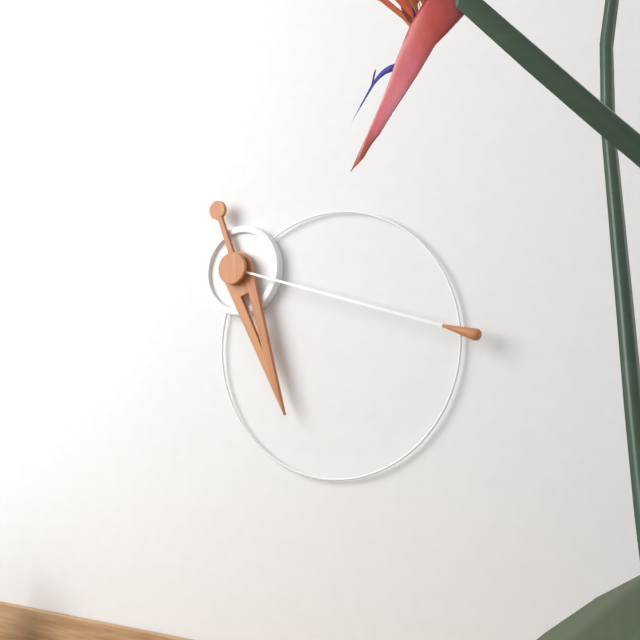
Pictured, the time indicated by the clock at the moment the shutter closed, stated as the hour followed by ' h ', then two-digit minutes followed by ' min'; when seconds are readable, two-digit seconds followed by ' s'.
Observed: 5 h 18 min
